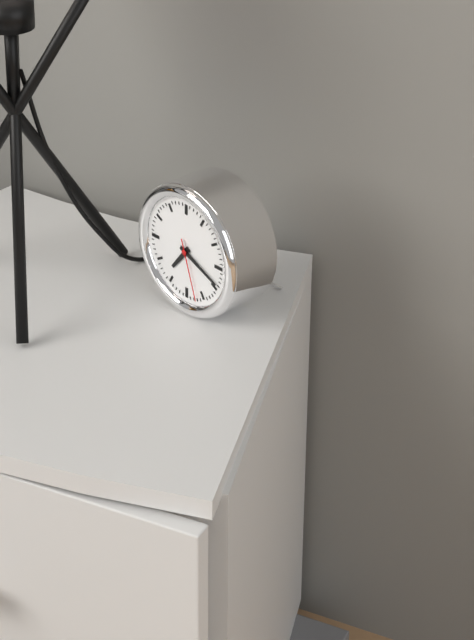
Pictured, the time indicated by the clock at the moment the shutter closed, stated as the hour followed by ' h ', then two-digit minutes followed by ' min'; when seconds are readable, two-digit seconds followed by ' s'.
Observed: 7 h 19 min 27 s
